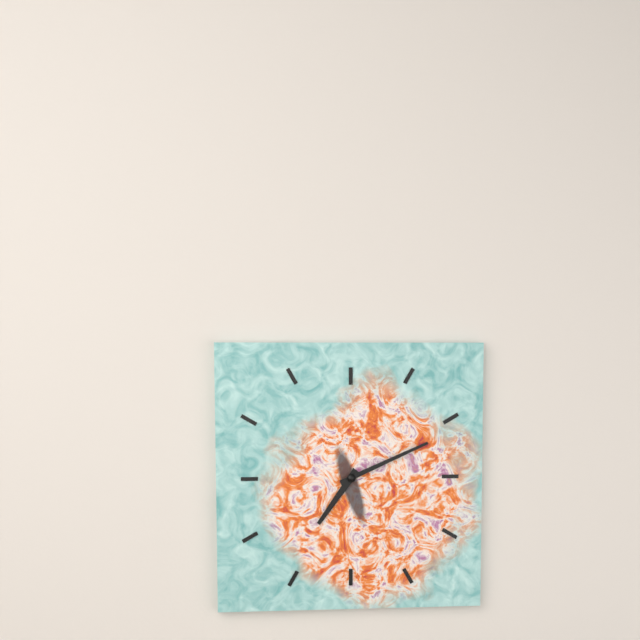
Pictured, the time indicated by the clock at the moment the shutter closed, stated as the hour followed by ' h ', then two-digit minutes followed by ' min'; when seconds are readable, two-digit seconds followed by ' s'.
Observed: 7 h 11 min
